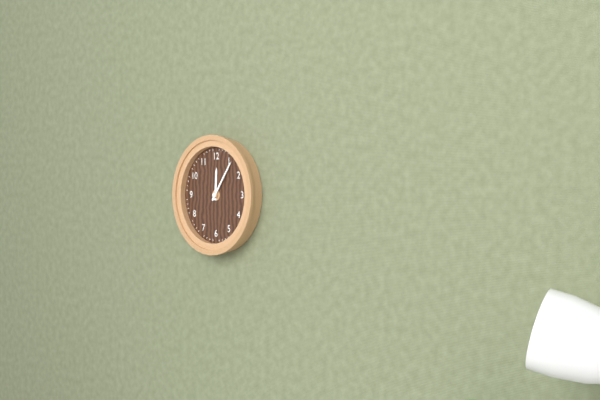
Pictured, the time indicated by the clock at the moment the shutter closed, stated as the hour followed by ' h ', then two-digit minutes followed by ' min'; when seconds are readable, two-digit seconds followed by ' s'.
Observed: 12 h 06 min
